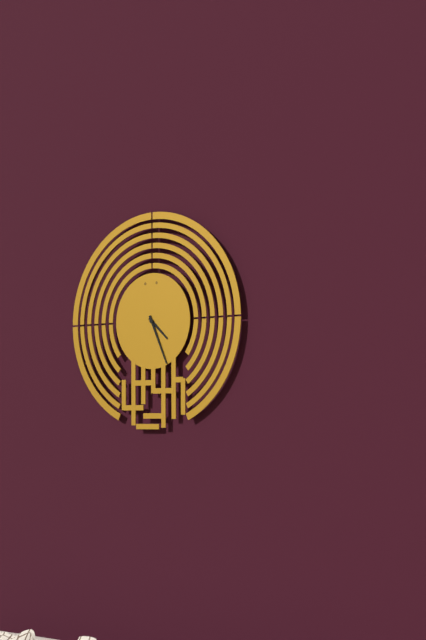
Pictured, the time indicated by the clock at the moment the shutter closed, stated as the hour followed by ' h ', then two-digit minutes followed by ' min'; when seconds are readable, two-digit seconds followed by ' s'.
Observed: 4 h 26 min
